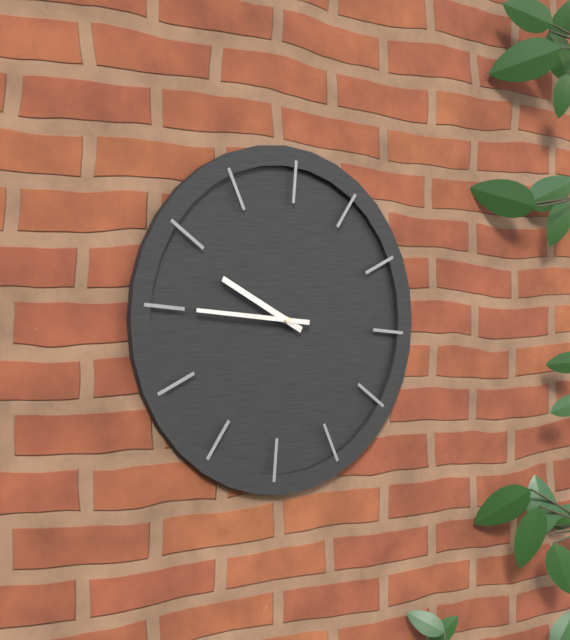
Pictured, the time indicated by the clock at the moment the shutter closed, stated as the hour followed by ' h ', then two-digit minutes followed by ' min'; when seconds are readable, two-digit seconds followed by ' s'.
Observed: 9 h 45 min
